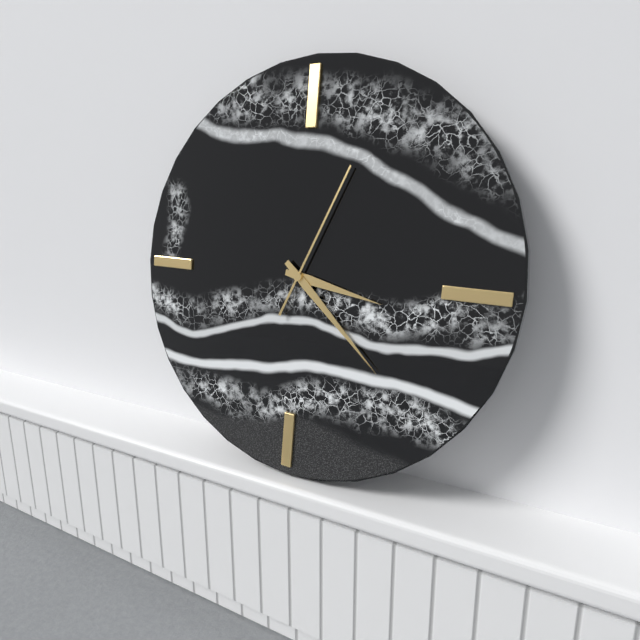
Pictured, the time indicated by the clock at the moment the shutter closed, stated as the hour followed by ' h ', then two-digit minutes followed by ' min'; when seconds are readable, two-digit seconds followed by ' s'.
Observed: 3 h 22 min 04 s
